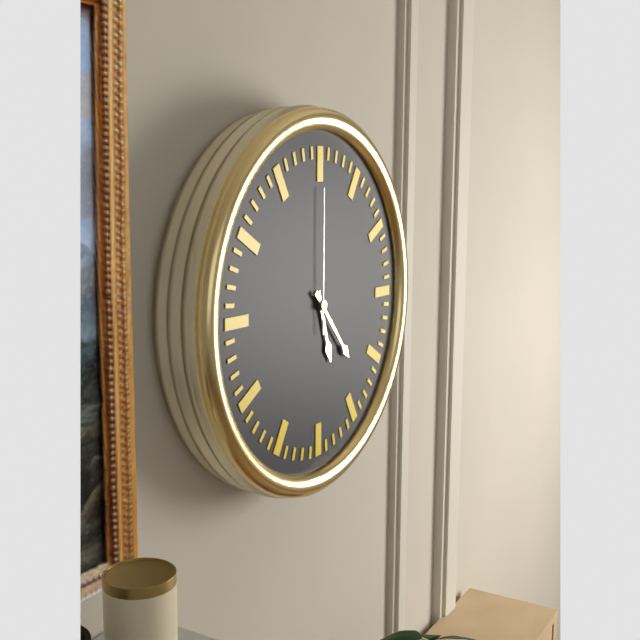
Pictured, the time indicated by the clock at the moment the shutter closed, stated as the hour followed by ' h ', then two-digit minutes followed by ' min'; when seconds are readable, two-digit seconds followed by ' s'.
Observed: 5 h 23 min 00 s
